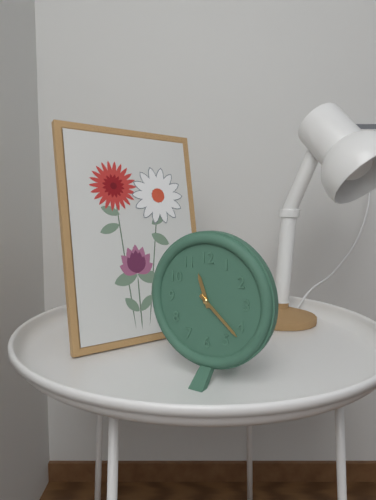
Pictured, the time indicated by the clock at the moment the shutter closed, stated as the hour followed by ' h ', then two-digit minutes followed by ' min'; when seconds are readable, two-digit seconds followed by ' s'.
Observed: 11 h 22 min
